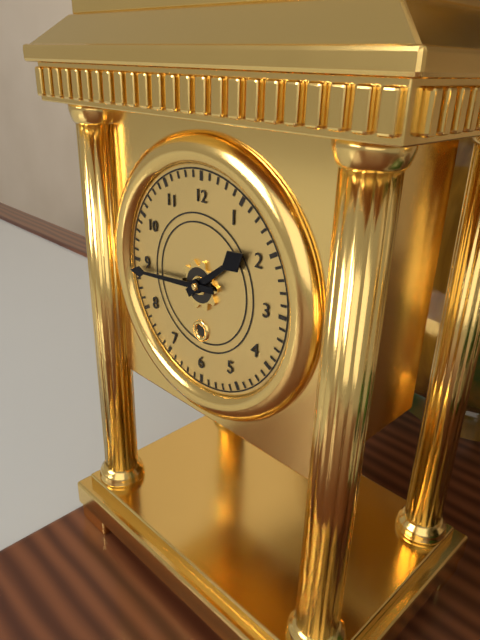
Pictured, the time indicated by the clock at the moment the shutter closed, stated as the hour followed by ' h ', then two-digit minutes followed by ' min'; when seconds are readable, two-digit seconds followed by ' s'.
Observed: 1 h 44 min
